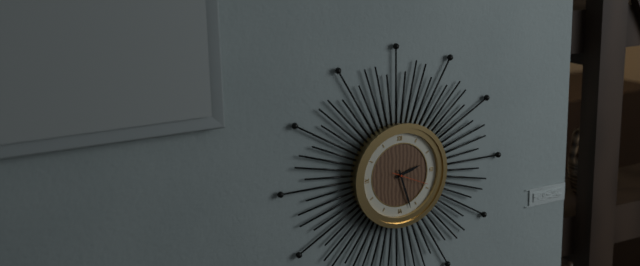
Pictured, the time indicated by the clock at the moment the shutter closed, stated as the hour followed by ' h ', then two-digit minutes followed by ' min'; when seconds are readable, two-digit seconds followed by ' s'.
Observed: 2 h 27 min
